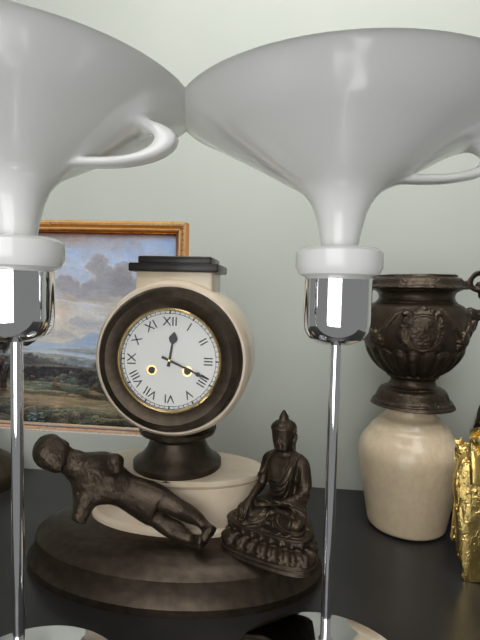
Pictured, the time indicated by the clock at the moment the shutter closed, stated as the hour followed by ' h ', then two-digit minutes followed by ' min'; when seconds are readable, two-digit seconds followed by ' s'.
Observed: 12 h 19 min
